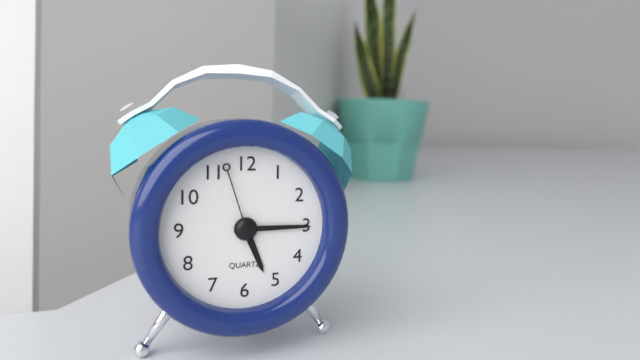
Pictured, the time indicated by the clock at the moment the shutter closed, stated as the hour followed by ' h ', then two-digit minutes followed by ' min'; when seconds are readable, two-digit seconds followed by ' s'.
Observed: 5 h 15 min 57 s
